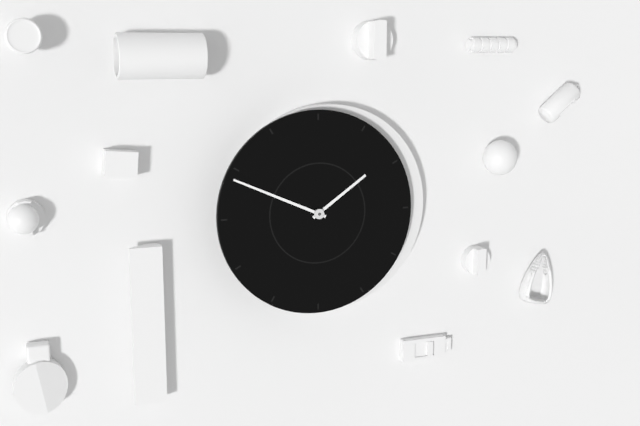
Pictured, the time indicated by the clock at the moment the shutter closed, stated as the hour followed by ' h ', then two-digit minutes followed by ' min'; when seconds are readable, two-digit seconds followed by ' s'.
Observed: 1 h 49 min
